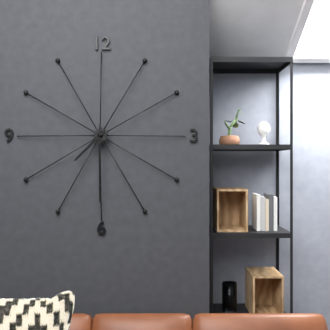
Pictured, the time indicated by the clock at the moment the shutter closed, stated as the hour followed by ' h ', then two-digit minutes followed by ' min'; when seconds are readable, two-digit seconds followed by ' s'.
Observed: 7 h 30 min
